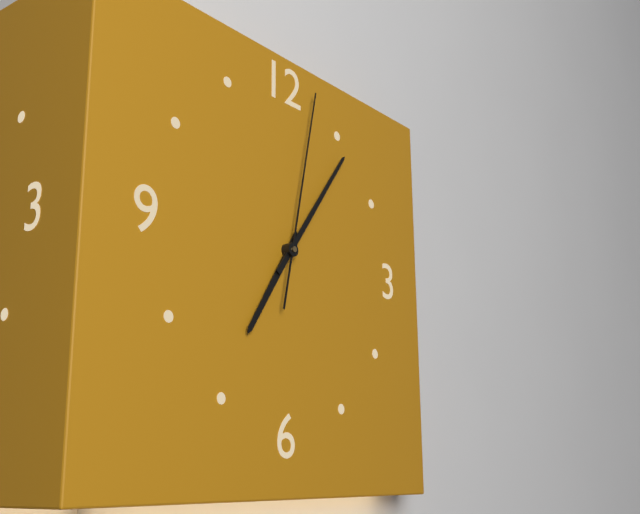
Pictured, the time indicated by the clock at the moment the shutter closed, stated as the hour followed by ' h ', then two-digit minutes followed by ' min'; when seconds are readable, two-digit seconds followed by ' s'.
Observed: 7 h 06 min 02 s
